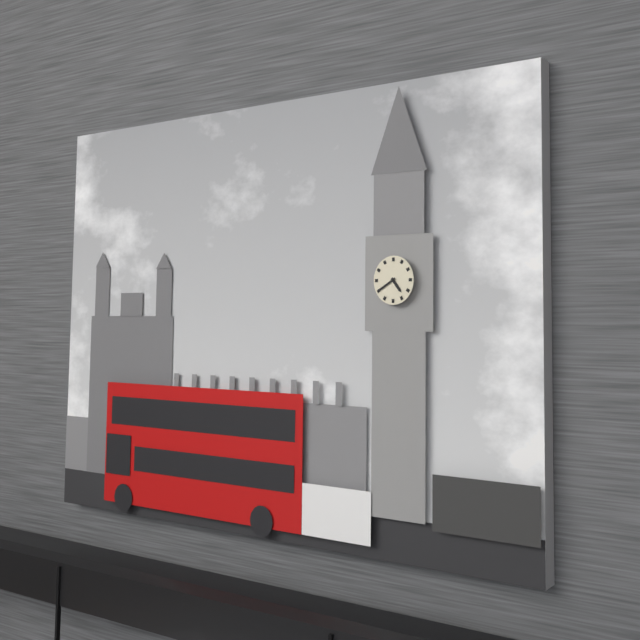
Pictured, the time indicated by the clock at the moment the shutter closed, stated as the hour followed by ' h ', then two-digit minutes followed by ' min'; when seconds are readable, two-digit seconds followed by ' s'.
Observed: 4 h 40 min
